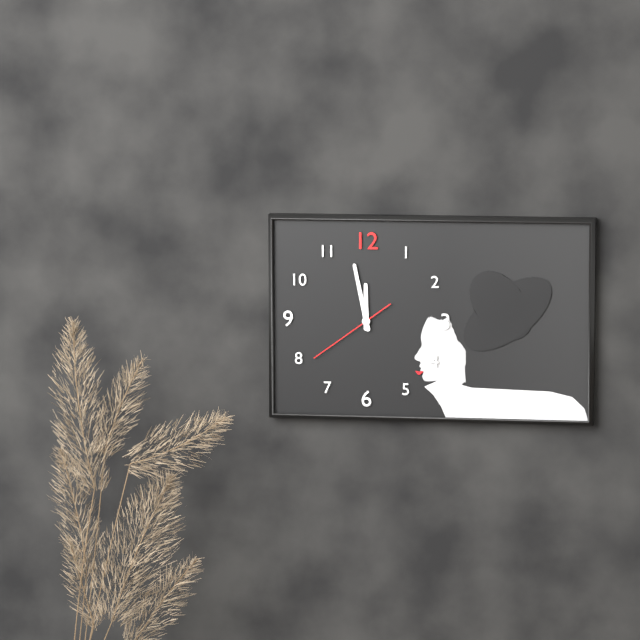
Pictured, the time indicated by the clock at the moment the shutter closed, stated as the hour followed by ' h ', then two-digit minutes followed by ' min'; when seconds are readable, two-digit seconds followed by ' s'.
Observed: 11 h 58 min 39 s
